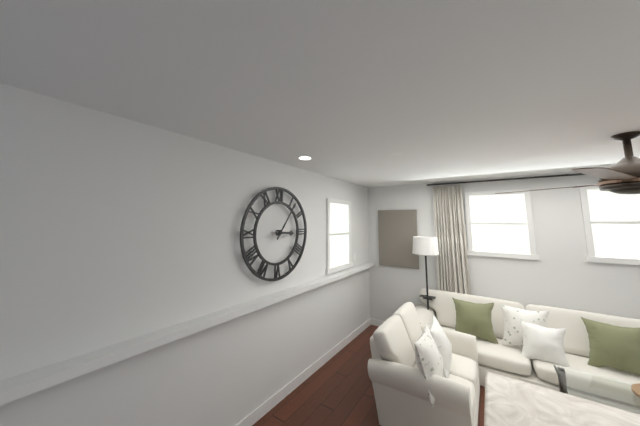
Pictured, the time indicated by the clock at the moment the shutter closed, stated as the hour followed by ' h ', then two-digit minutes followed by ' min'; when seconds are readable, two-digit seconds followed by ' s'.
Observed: 3 h 06 min
